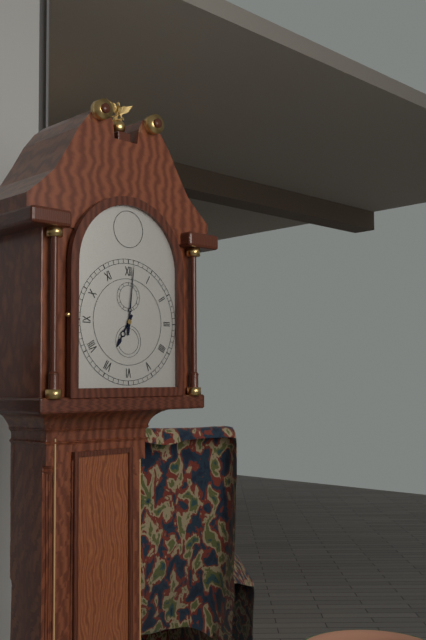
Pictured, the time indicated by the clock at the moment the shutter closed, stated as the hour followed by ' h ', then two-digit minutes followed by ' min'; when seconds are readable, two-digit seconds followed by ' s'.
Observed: 7 h 01 min
